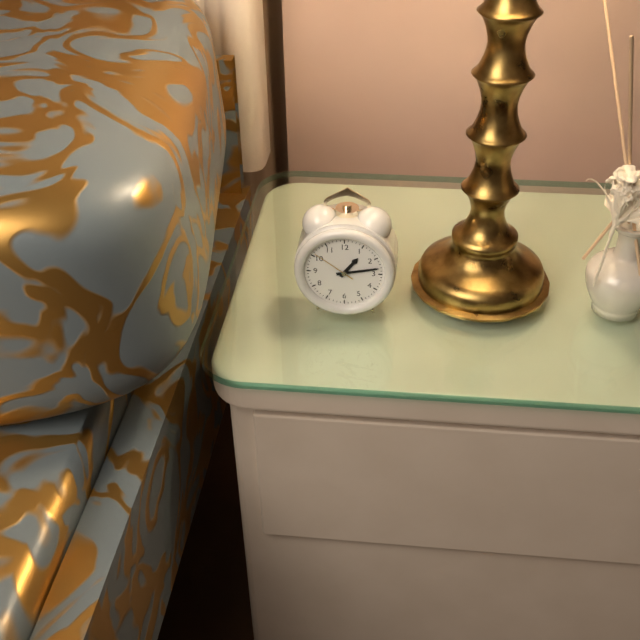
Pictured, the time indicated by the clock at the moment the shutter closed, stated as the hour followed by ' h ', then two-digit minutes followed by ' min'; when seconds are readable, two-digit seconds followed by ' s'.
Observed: 1 h 13 min
